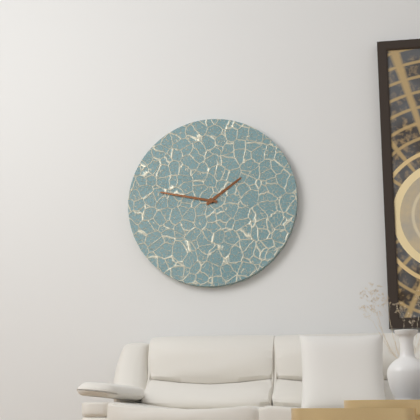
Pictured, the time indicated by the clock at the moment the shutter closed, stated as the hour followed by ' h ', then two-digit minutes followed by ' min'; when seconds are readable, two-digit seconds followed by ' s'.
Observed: 1 h 47 min
